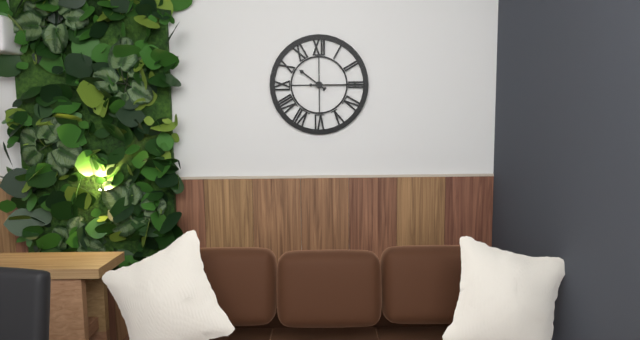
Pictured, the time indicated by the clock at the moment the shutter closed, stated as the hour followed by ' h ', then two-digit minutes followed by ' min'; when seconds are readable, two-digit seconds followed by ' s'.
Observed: 10 h 15 min
